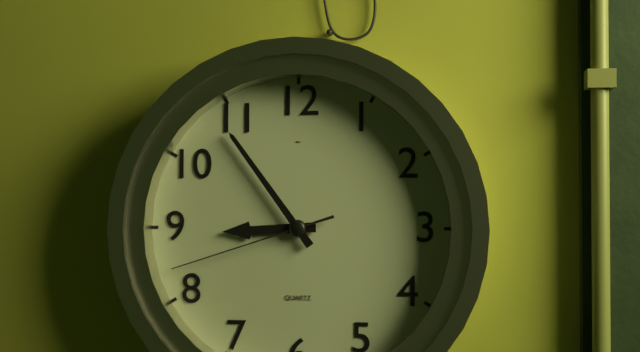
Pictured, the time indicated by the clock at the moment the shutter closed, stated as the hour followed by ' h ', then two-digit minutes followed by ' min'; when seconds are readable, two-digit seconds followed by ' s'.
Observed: 8 h 54 min 42 s
